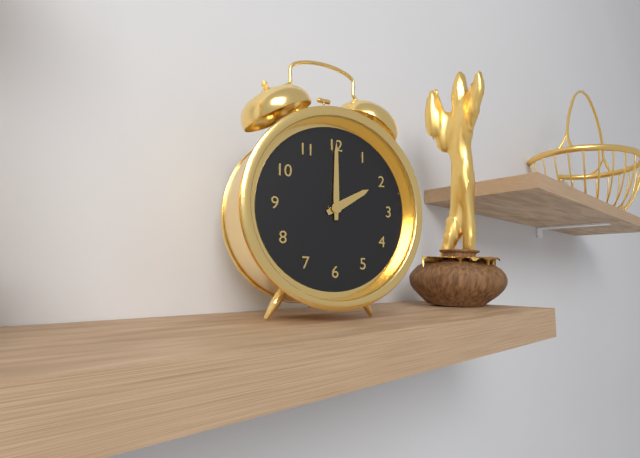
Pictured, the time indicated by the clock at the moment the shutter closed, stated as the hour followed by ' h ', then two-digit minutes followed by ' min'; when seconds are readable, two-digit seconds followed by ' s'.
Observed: 2 h 00 min
